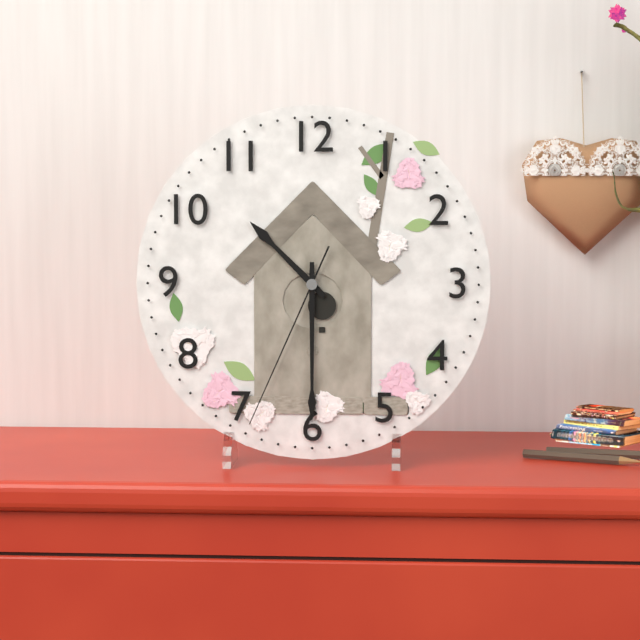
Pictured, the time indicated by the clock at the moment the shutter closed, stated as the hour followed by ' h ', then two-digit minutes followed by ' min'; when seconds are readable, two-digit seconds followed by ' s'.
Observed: 10 h 30 min 34 s
